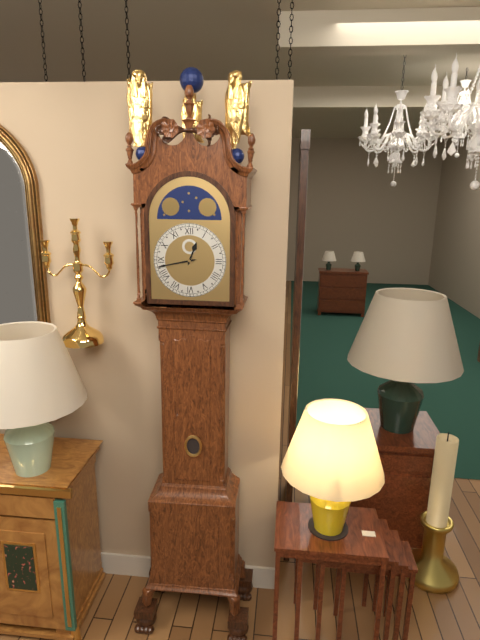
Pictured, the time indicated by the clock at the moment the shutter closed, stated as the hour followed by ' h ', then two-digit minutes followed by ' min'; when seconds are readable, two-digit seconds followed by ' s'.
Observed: 12 h 43 min
